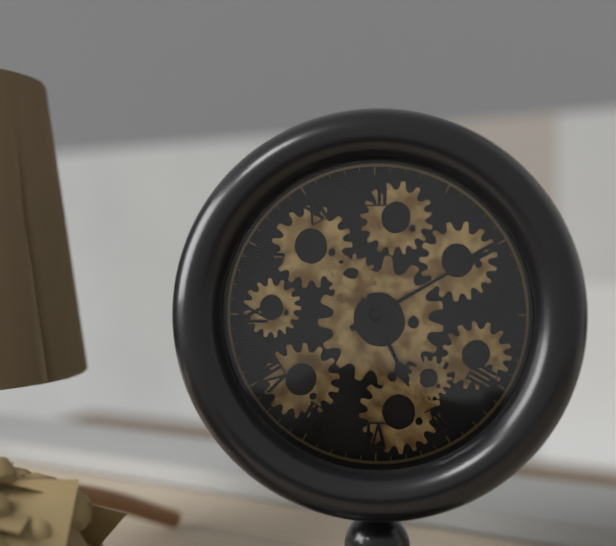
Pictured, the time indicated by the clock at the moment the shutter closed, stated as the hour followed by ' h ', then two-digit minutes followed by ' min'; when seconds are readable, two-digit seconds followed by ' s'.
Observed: 5 h 10 min
